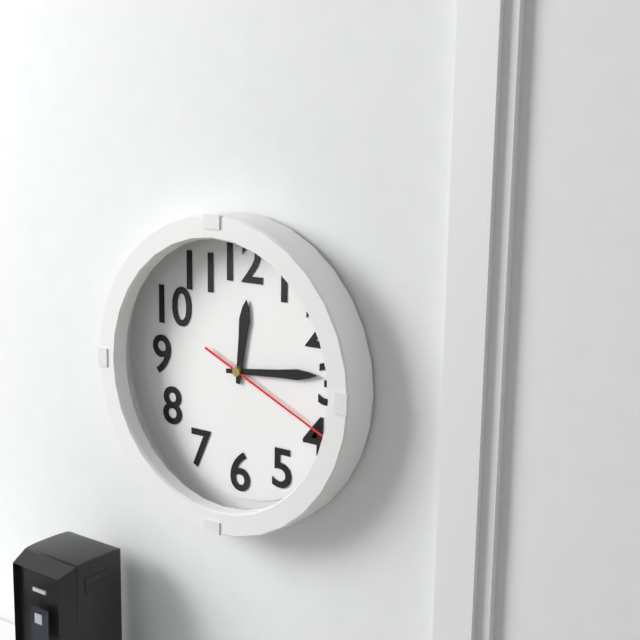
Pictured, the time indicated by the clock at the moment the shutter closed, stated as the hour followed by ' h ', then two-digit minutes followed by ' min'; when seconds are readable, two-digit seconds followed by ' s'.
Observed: 12 h 14 min 19 s
